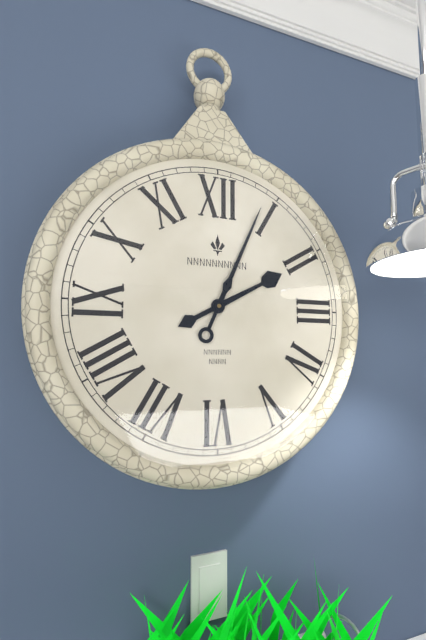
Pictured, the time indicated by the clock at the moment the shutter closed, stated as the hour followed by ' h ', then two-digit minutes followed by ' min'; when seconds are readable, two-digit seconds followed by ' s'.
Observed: 2 h 04 min
